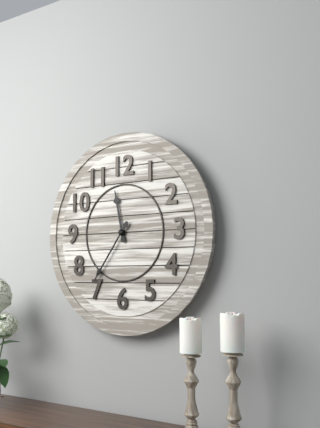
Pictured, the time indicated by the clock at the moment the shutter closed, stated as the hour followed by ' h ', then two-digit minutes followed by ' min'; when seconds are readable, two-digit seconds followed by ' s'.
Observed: 11 h 36 min
